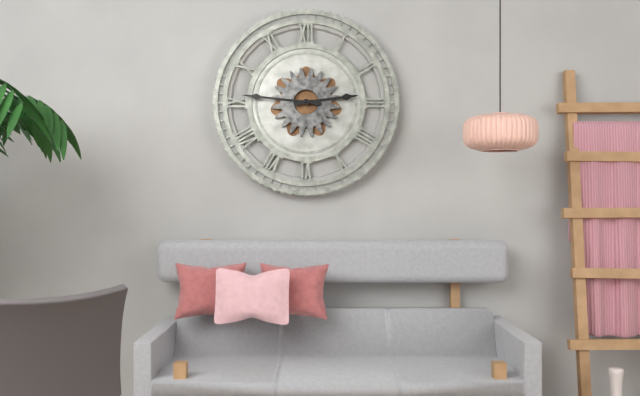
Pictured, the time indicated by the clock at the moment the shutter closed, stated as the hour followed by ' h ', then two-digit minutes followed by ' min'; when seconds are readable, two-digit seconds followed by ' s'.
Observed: 2 h 46 min
